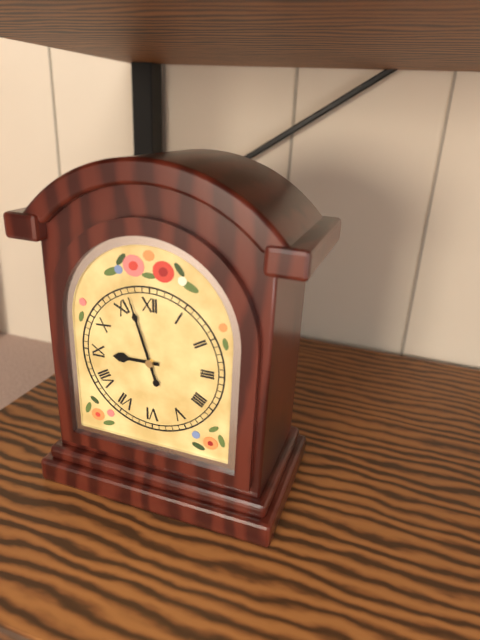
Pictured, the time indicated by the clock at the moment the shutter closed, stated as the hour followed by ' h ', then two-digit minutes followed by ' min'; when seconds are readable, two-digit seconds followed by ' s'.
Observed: 8 h 57 min
